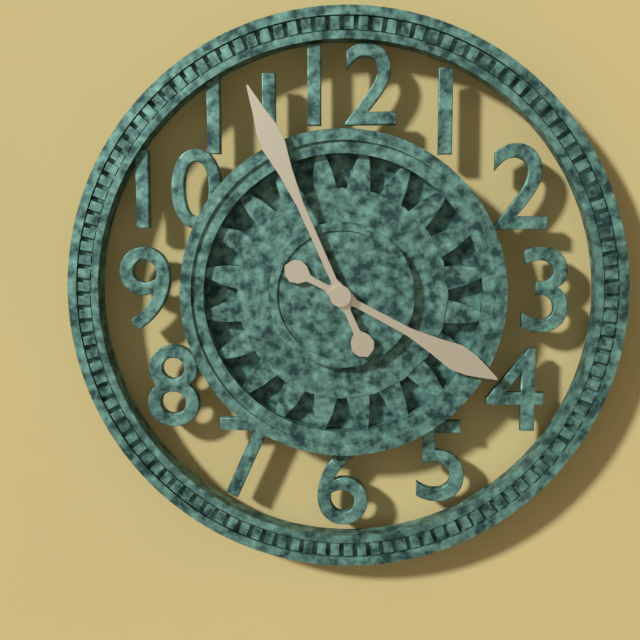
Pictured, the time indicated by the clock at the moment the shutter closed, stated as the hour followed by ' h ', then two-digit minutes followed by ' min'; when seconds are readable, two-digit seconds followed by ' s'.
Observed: 3 h 56 min
